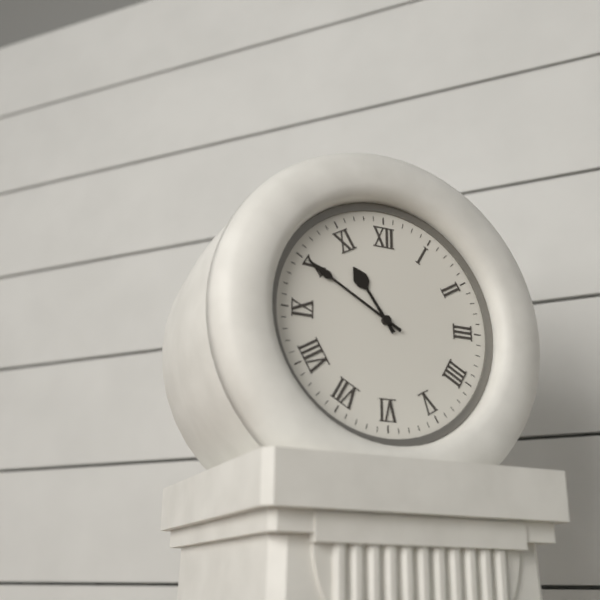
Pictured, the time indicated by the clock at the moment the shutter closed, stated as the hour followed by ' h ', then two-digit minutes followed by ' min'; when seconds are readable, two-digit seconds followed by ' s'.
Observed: 10 h 50 min
